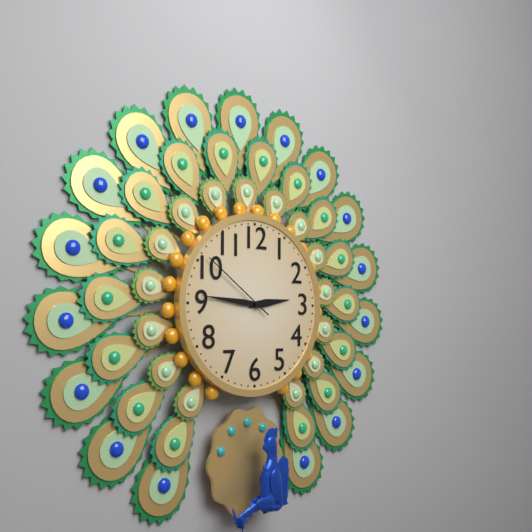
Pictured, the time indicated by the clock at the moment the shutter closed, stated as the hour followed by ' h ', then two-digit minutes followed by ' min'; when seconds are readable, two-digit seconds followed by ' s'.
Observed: 2 h 46 min 51 s
